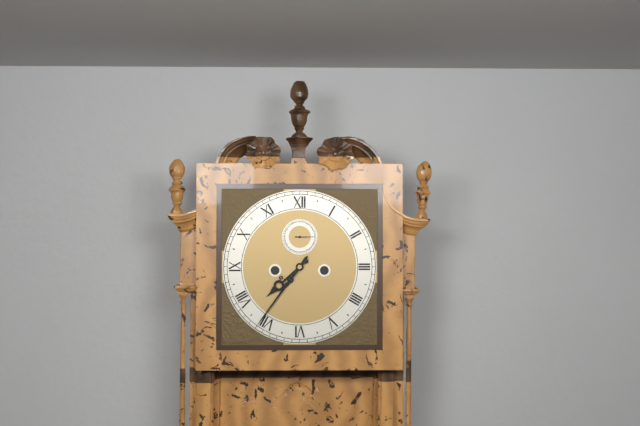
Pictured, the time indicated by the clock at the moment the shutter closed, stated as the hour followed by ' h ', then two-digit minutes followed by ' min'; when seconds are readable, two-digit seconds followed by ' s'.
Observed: 7 h 36 min
